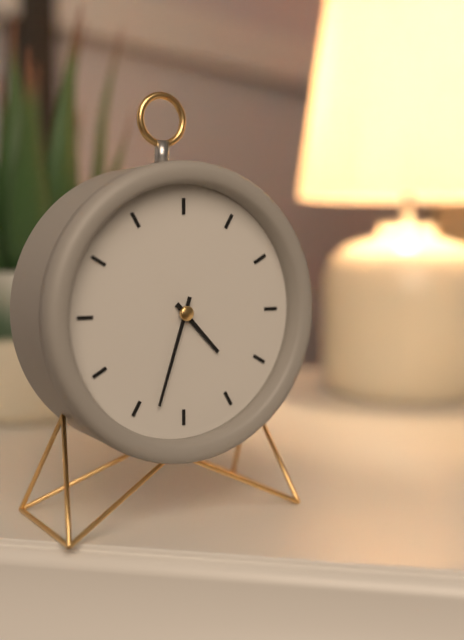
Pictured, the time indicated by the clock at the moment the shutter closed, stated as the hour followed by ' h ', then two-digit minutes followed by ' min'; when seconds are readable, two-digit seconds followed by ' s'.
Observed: 4 h 33 min
